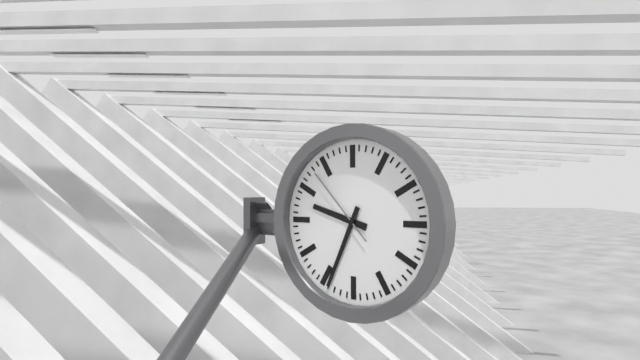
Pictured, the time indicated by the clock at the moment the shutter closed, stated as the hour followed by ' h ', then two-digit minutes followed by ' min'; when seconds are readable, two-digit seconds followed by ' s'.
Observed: 9 h 34 min 53 s
